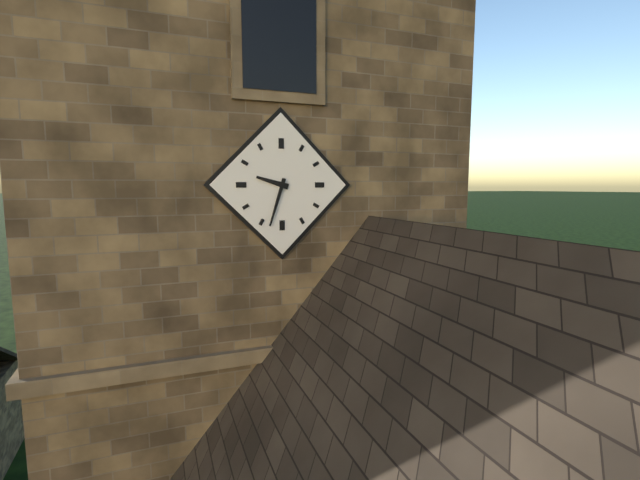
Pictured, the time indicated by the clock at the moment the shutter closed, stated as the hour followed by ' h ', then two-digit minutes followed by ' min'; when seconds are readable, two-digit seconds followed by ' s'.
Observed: 9 h 33 min
